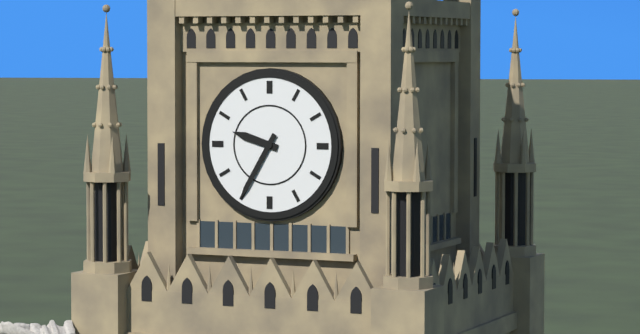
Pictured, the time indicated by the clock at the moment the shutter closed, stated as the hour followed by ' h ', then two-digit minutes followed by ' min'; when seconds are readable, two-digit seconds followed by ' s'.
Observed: 9 h 35 min
